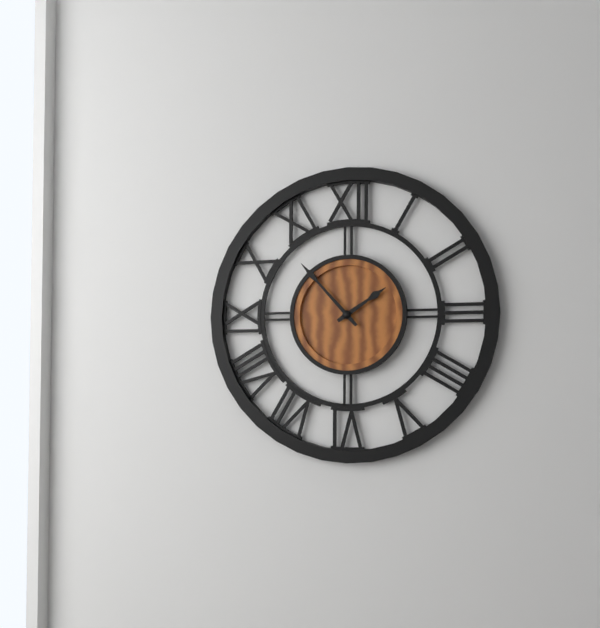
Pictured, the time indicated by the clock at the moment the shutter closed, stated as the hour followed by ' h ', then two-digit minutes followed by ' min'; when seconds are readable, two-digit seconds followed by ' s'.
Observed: 1 h 53 min
